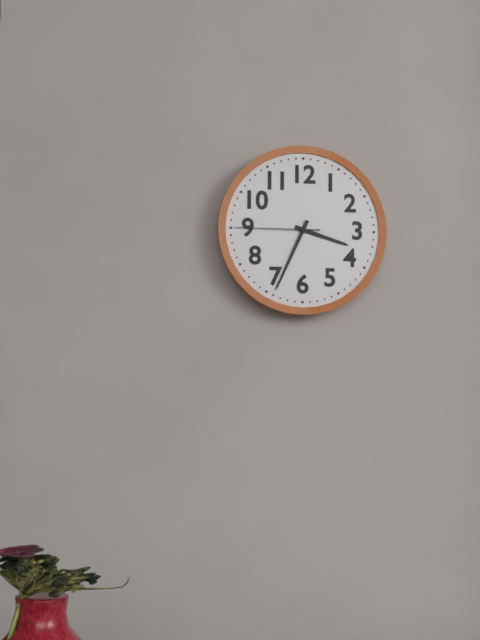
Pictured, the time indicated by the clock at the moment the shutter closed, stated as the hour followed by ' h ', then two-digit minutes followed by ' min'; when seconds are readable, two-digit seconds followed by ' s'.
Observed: 3 h 34 min 45 s
